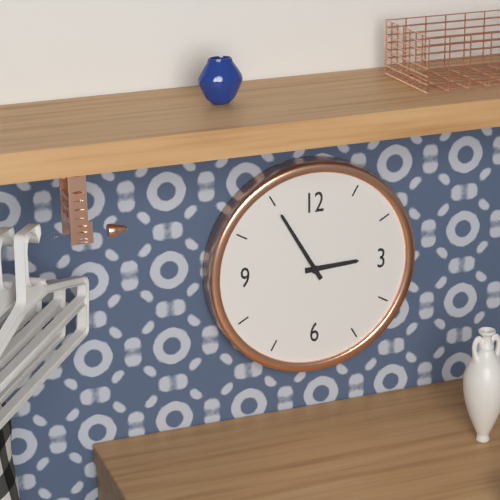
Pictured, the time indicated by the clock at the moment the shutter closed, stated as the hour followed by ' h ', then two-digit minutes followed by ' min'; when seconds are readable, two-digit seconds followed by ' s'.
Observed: 2 h 55 min
